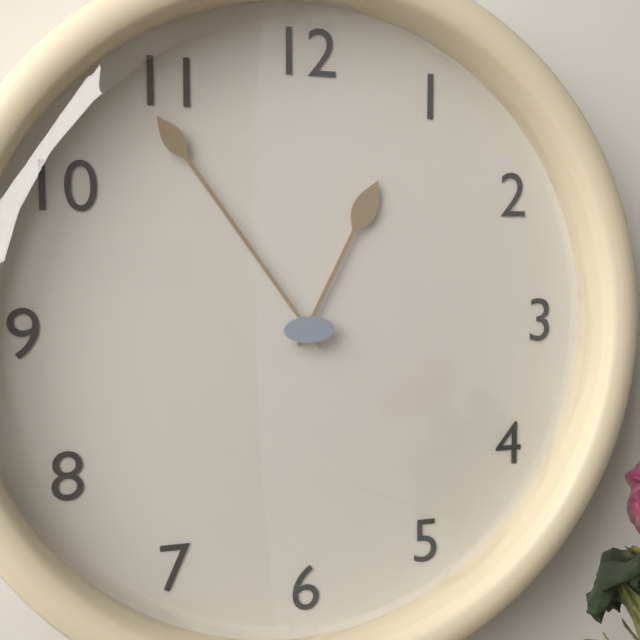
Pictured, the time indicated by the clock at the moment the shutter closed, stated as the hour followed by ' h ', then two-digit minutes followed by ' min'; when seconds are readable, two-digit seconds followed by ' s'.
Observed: 12 h 54 min
